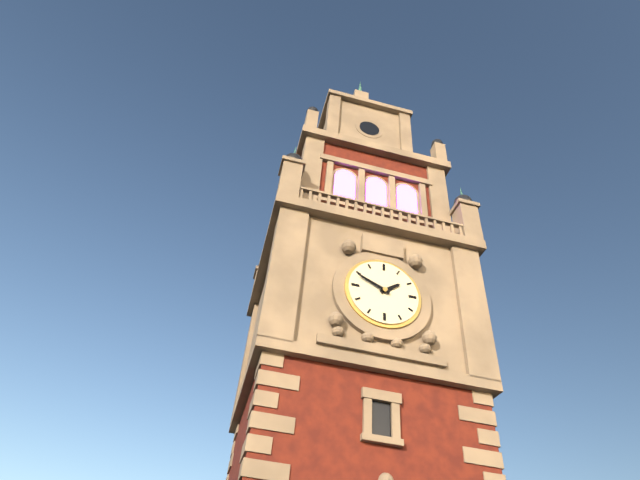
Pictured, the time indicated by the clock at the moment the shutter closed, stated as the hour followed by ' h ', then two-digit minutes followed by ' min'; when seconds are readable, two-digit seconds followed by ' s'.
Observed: 1 h 49 min
